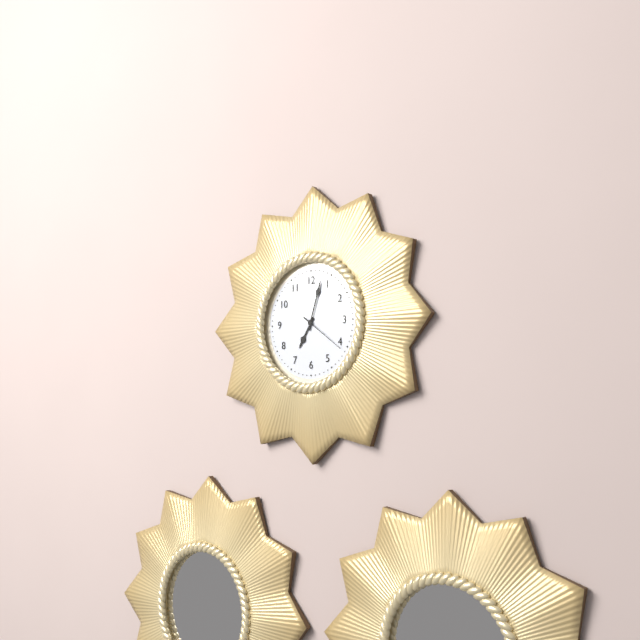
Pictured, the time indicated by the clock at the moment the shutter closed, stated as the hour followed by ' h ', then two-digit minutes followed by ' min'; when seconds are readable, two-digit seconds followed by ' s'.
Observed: 7 h 03 min 21 s
